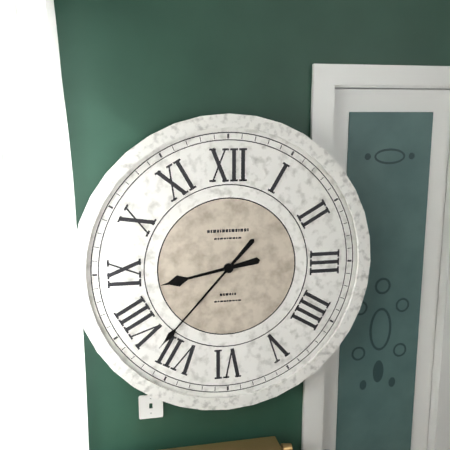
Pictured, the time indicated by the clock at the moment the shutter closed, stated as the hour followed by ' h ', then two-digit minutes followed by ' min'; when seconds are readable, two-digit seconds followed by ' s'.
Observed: 8 h 37 min
